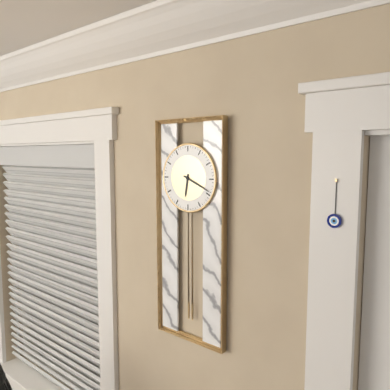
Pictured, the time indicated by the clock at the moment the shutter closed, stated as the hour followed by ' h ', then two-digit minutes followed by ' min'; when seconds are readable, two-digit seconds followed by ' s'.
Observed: 6 h 19 min
